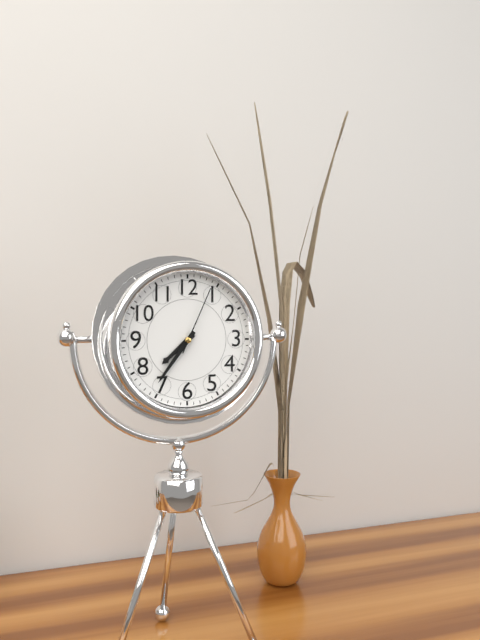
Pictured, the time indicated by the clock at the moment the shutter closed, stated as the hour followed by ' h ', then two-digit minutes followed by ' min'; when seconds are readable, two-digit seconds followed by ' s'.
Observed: 7 h 36 min 04 s
